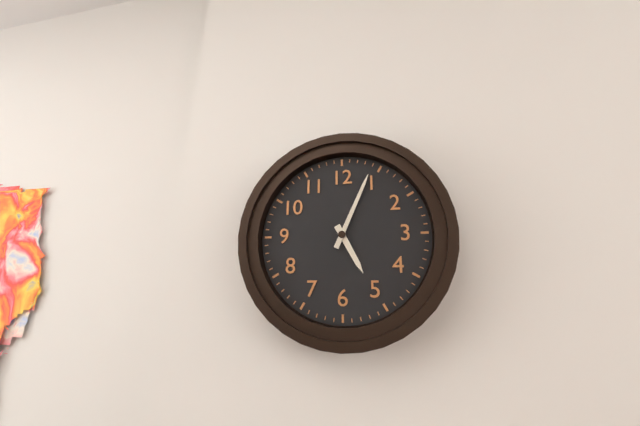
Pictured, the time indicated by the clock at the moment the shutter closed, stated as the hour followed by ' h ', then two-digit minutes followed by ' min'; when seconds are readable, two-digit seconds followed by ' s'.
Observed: 5 h 04 min
